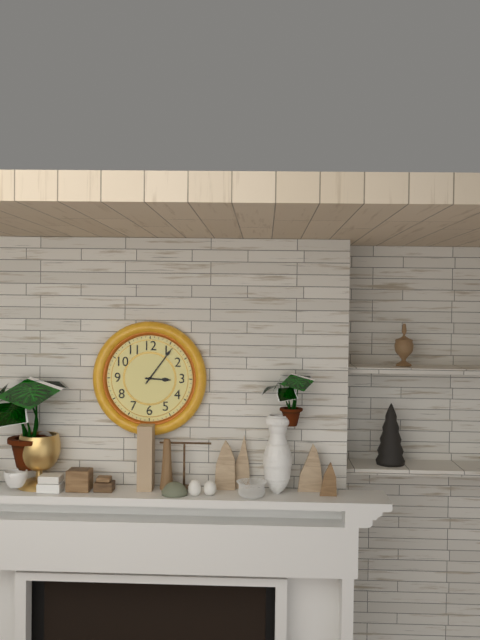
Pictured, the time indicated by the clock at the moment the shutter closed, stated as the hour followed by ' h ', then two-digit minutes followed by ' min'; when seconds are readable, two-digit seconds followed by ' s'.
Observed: 3 h 06 min
